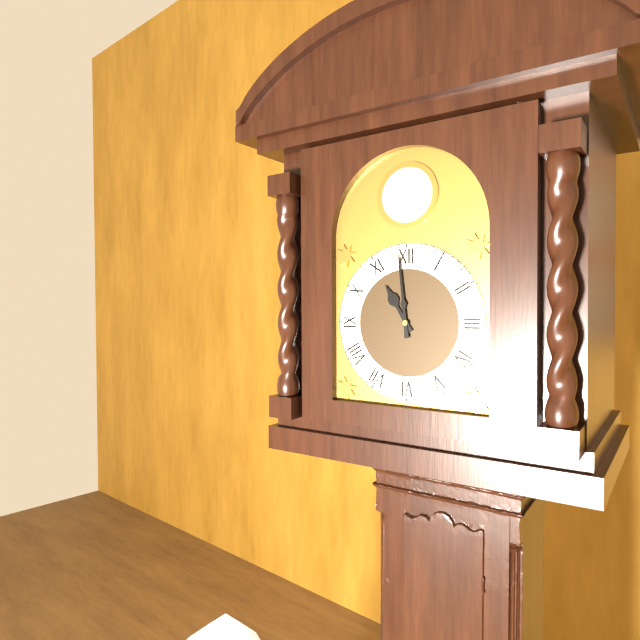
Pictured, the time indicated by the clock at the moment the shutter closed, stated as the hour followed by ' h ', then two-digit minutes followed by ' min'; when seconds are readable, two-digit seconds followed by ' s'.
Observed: 10 h 59 min
